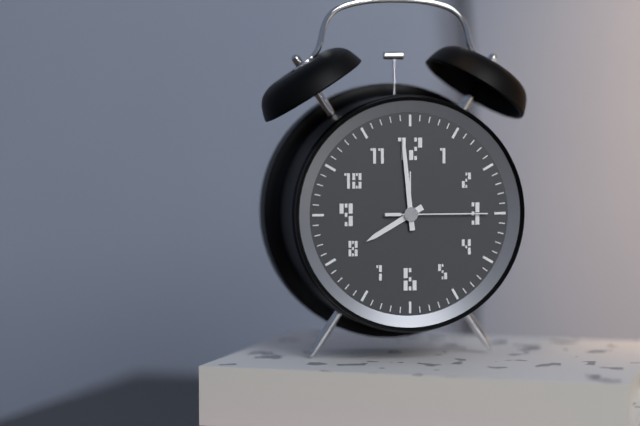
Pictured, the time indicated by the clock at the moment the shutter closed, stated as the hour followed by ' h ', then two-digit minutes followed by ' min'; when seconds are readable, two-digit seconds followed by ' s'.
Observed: 7 h 59 min 15 s
